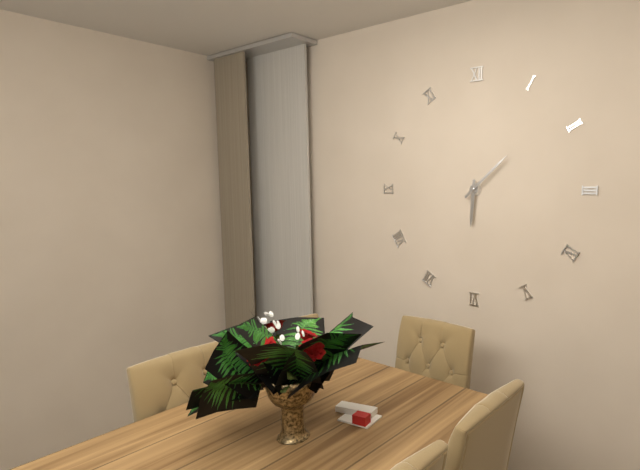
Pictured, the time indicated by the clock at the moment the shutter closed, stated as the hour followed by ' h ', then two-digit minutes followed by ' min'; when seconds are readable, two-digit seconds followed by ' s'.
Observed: 6 h 08 min
